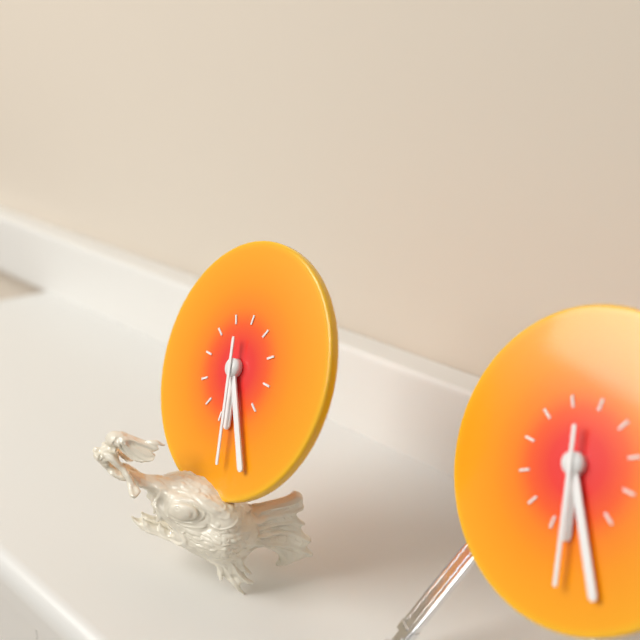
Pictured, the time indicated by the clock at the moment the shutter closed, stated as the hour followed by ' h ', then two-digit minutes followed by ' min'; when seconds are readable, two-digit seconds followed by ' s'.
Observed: 5 h 24 min 27 s
